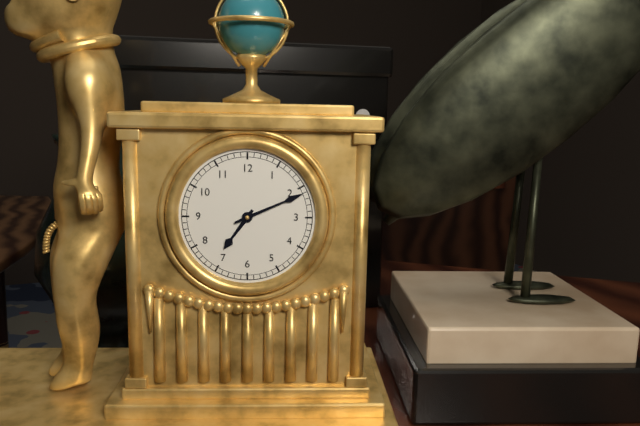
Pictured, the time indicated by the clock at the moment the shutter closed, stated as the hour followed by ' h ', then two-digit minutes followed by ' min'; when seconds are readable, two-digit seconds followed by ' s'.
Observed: 7 h 11 min
